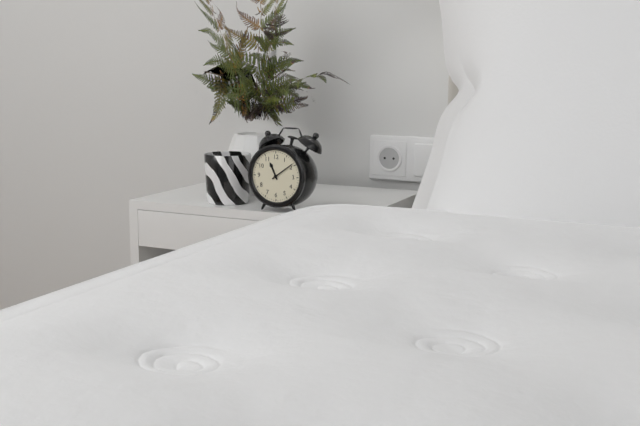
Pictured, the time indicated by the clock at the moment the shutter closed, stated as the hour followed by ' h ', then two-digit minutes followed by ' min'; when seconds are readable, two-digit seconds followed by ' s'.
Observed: 11 h 09 min
